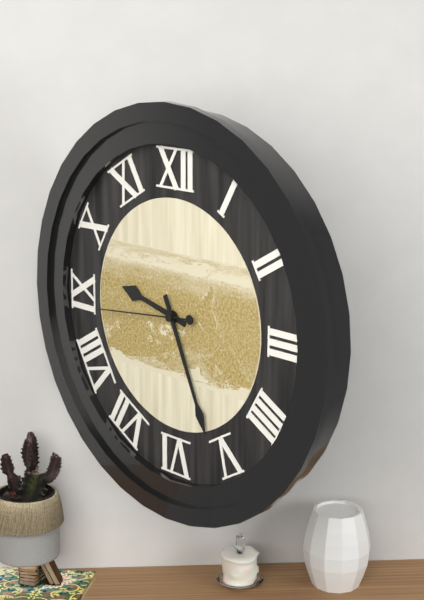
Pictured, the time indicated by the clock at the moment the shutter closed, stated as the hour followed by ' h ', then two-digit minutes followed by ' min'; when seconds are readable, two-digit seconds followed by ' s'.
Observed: 9 h 26 min 44 s
